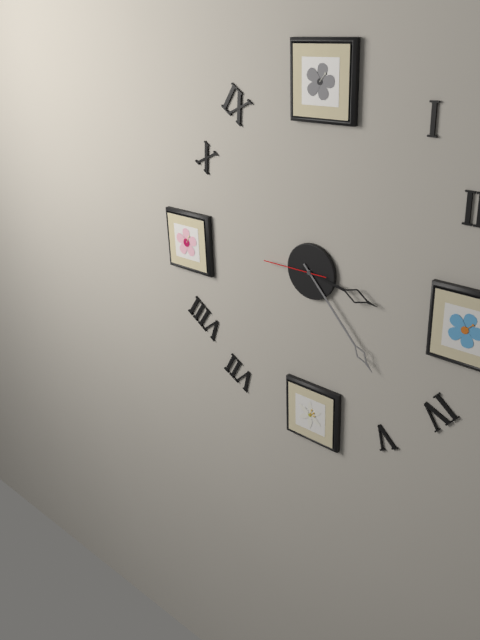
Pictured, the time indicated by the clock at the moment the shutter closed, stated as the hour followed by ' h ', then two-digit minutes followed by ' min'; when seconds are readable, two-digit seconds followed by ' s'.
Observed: 3 h 23 min 45 s
